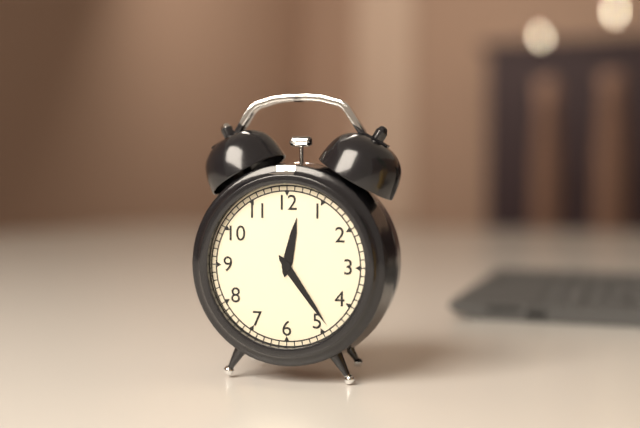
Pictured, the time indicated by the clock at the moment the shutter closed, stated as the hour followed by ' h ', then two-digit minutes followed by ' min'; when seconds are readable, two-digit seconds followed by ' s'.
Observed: 12 h 24 min
